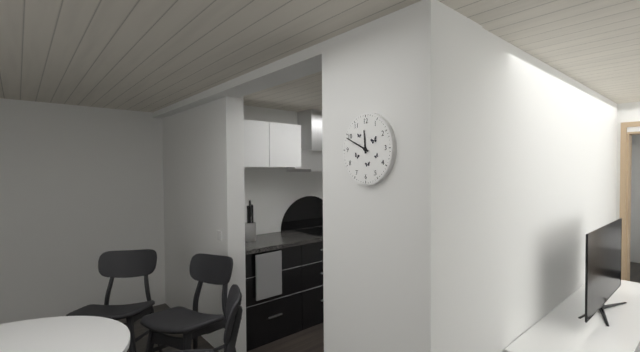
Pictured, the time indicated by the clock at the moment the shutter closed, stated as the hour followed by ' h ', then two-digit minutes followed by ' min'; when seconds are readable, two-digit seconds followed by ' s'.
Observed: 11 h 49 min
